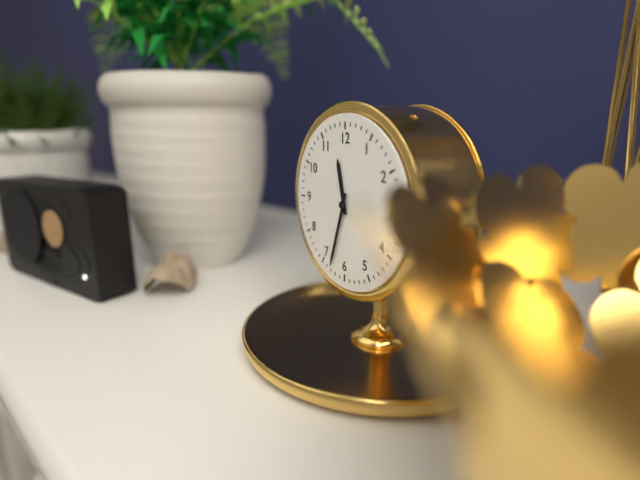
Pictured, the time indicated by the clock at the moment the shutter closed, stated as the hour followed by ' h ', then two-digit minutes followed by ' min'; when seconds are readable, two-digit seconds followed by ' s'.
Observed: 11 h 33 min
